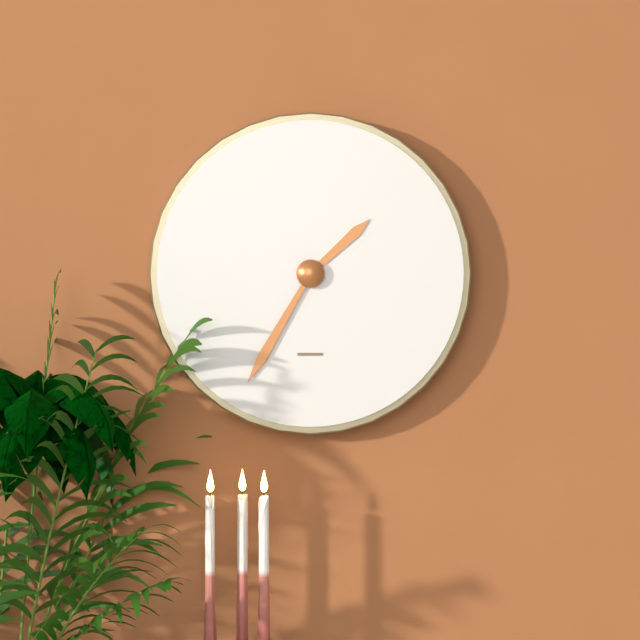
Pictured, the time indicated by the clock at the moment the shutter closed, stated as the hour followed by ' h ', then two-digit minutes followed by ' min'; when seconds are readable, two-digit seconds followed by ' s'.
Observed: 1 h 35 min
